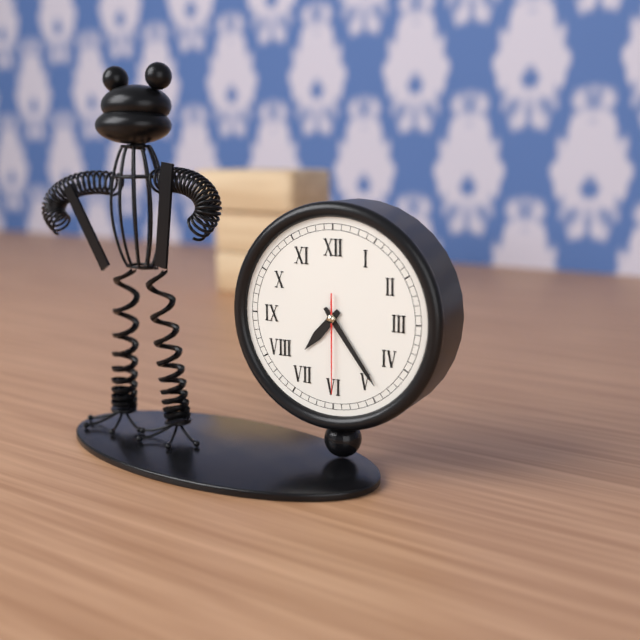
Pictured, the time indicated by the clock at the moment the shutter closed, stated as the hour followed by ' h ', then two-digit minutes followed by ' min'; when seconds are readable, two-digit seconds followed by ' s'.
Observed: 7 h 24 min 30 s
